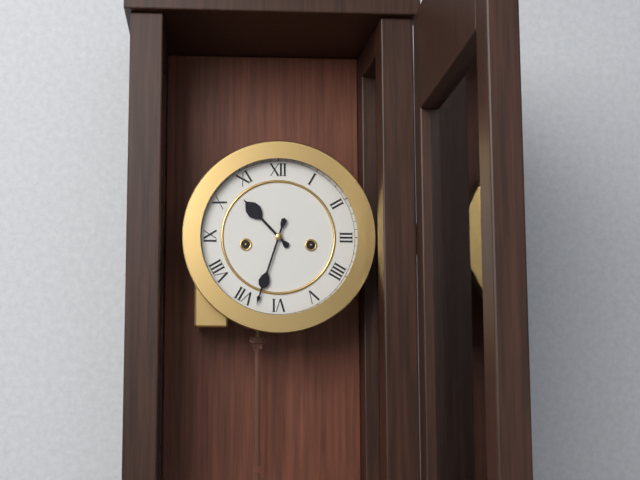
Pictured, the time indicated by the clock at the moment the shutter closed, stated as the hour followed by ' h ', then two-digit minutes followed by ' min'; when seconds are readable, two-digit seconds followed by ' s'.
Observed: 10 h 33 min
